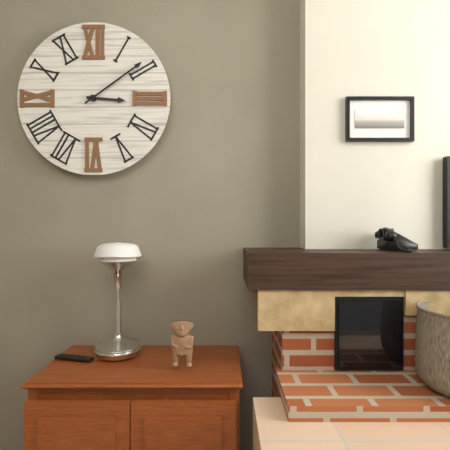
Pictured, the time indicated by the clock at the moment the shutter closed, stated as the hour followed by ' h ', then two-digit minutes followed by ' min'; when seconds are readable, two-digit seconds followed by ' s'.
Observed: 3 h 09 min
